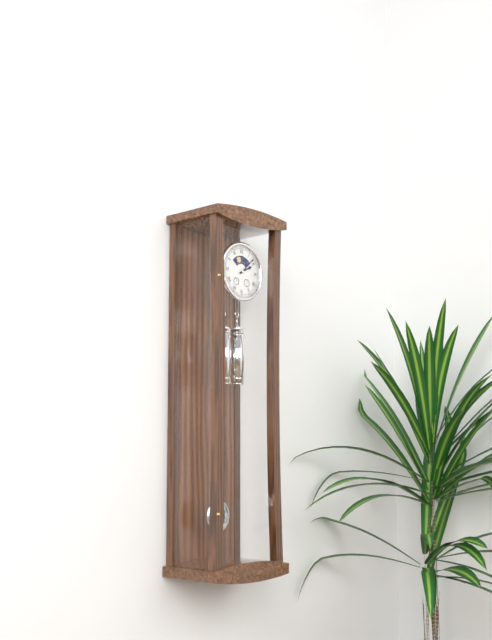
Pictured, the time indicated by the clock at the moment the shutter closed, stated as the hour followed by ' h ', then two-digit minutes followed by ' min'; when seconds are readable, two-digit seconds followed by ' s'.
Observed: 2 h 08 min
